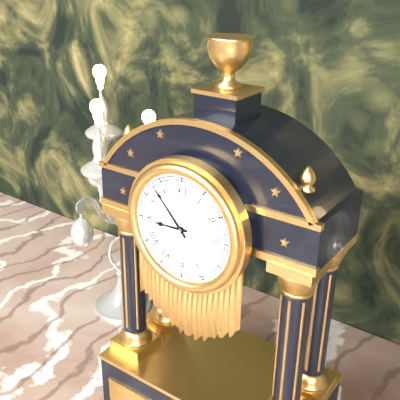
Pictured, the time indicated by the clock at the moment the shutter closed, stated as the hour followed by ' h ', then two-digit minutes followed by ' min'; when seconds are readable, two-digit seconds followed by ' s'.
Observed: 8 h 53 min
